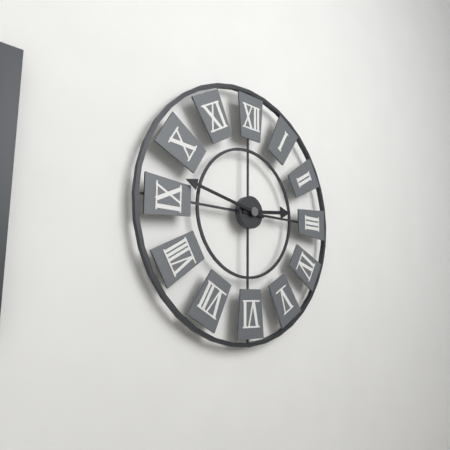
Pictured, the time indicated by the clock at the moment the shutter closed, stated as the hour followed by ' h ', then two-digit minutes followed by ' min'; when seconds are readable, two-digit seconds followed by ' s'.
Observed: 2 h 47 min
